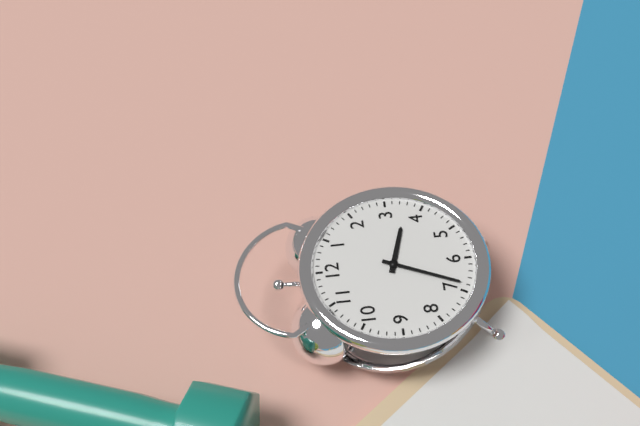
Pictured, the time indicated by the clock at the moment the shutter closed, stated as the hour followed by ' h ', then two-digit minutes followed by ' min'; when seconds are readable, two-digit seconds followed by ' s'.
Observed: 3 h 34 min
